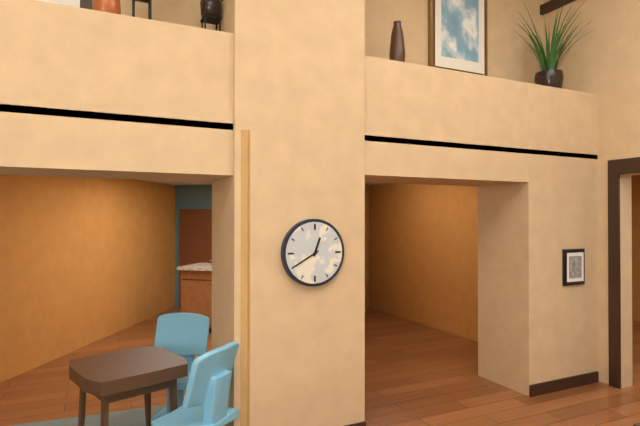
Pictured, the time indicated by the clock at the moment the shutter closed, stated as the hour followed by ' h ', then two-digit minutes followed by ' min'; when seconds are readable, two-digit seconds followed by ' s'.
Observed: 12 h 40 min
